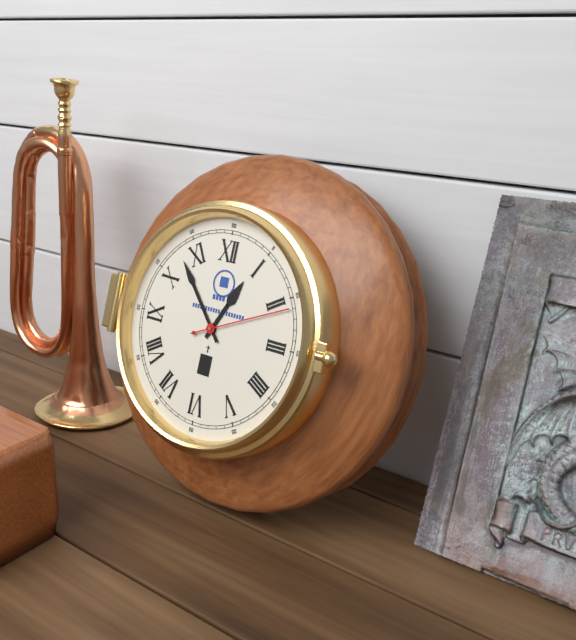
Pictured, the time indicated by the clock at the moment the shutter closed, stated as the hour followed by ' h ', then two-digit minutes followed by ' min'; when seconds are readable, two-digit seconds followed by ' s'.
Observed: 12 h 53 min 11 s
